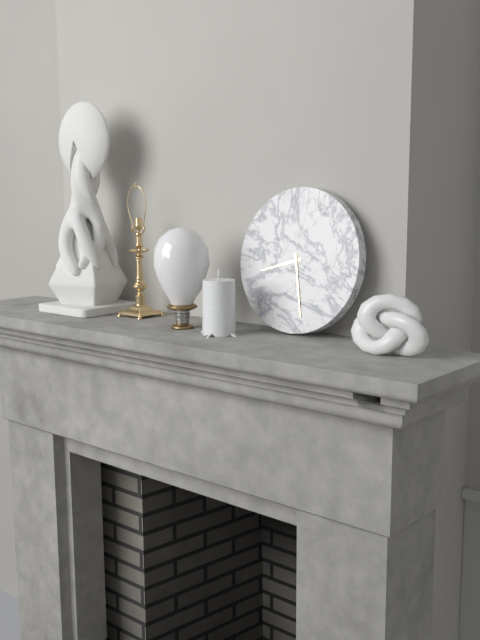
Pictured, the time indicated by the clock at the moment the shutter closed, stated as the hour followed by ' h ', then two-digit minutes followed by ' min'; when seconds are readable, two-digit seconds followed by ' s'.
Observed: 8 h 28 min
